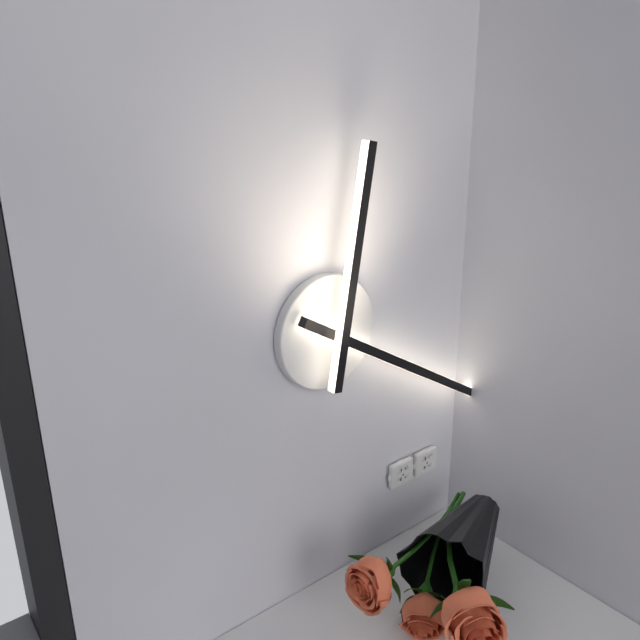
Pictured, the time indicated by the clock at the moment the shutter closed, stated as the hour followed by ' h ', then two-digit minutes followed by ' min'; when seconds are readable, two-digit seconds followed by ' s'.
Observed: 12 h 20 min
